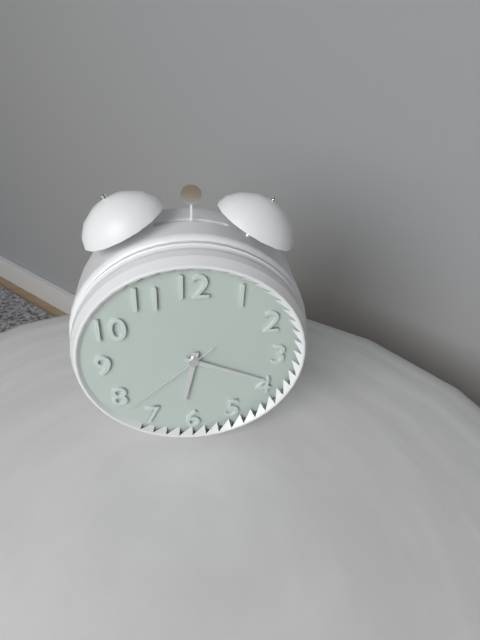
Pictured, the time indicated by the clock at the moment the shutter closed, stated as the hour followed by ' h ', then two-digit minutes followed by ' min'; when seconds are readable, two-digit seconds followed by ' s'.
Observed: 6 h 19 min 38 s
